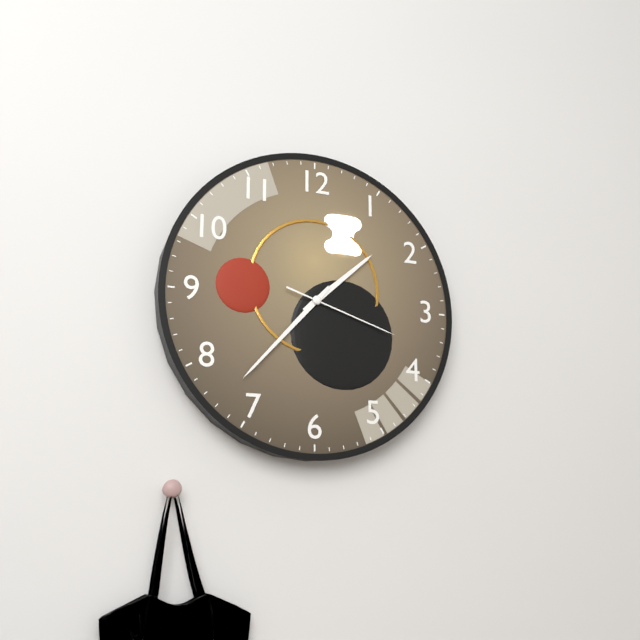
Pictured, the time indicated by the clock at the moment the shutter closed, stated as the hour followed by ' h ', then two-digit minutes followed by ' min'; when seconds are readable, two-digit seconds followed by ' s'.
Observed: 1 h 37 min 18 s
